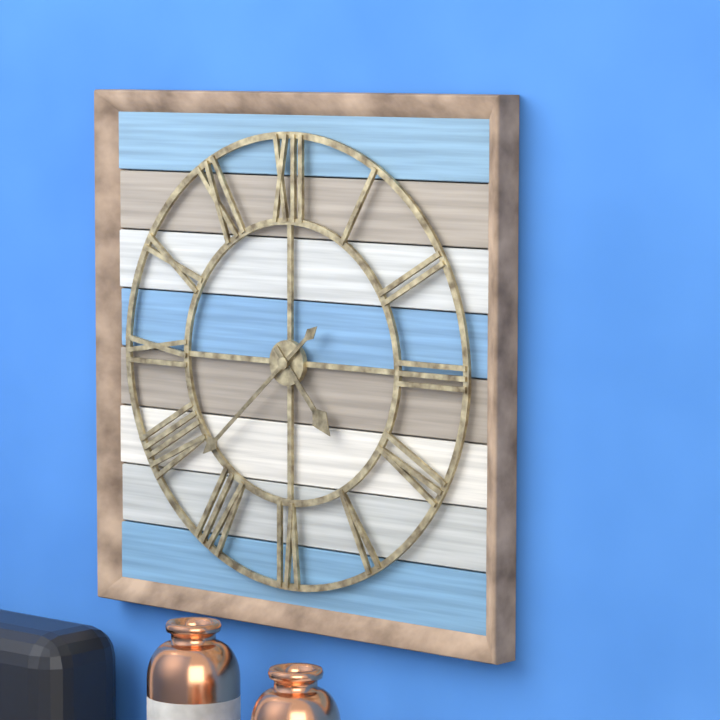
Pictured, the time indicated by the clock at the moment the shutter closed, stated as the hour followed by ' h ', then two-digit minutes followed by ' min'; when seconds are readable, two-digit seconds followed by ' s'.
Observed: 4 h 38 min
